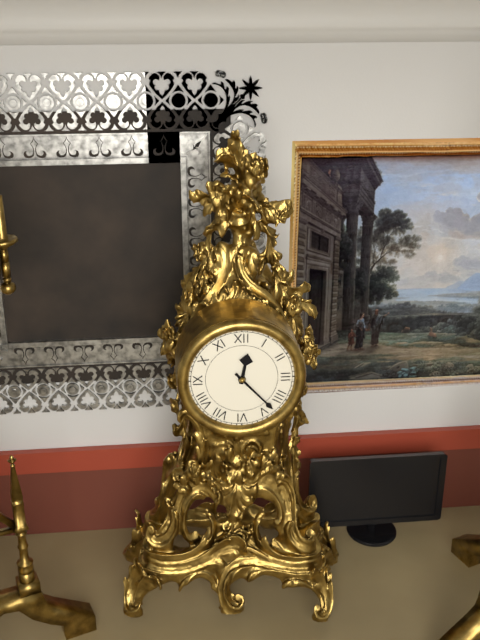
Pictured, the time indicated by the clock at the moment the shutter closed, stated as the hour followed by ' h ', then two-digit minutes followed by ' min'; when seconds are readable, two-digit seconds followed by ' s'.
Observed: 12 h 23 min
